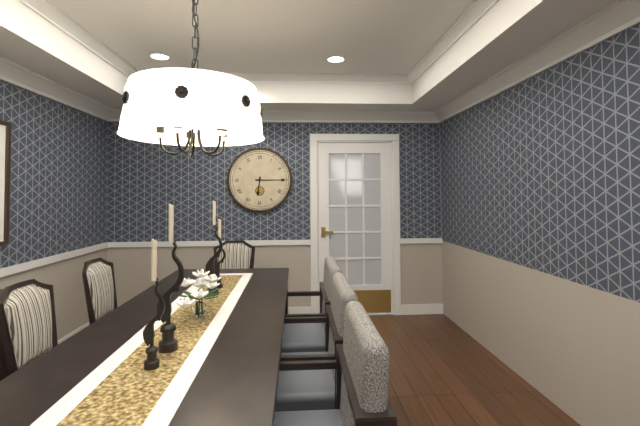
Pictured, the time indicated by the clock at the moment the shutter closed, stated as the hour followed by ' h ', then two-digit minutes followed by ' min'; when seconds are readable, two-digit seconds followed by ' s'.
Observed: 6 h 15 min
